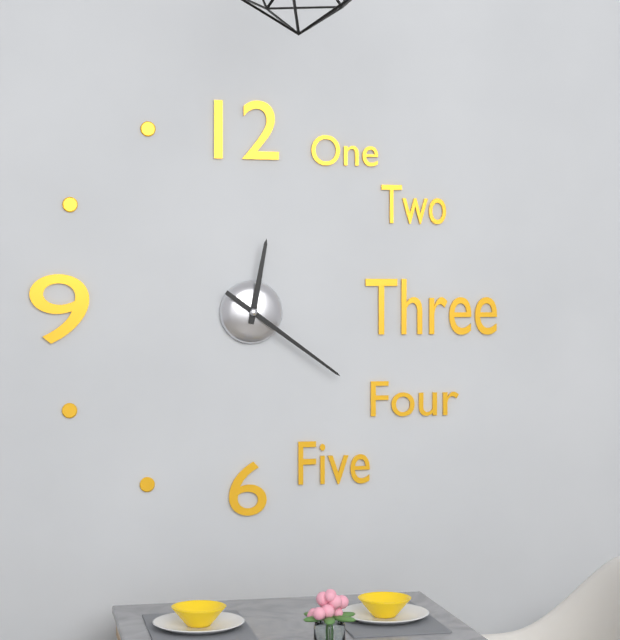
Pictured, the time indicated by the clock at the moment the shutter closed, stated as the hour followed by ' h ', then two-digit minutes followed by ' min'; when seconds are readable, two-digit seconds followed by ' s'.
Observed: 12 h 21 min
